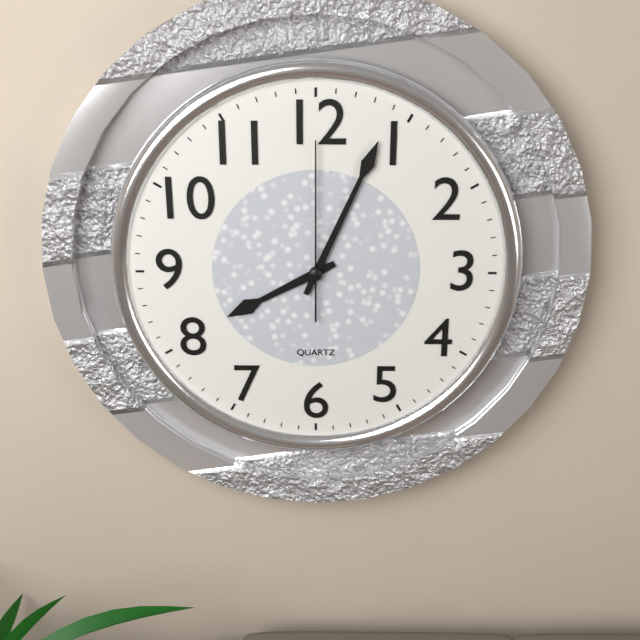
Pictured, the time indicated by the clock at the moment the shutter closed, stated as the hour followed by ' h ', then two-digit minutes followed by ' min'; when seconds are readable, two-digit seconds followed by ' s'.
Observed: 8 h 04 min 00 s
